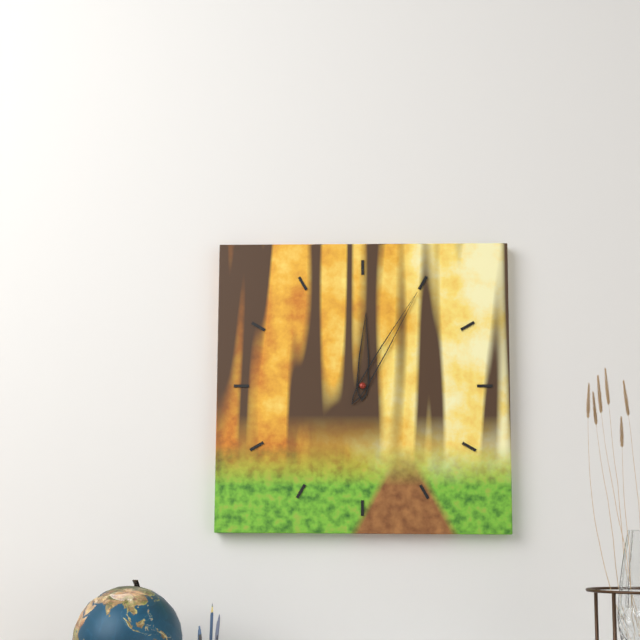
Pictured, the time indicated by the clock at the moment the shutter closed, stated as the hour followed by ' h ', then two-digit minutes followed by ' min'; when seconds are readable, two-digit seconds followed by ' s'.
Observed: 12 h 05 min
